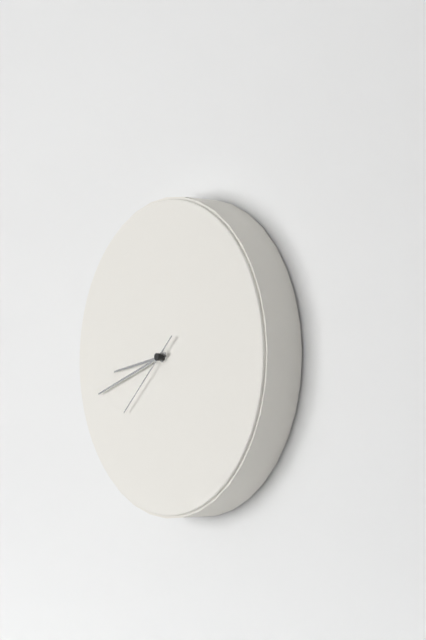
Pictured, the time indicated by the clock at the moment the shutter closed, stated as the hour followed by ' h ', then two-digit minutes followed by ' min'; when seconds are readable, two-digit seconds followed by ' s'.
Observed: 8 h 42 min 38 s
